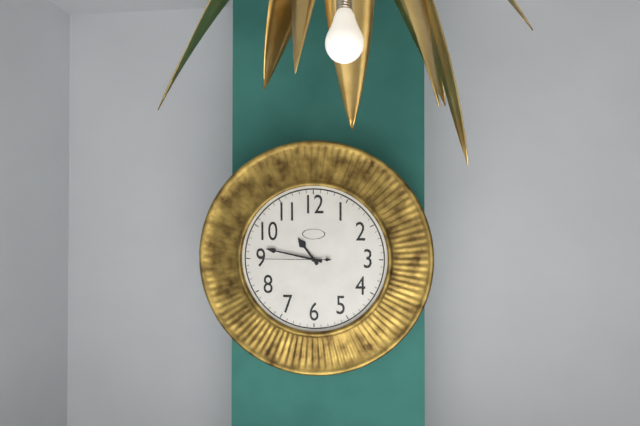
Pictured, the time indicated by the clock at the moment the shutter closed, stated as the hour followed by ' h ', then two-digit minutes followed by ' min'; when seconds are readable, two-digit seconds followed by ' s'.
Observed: 10 h 47 min 45 s
